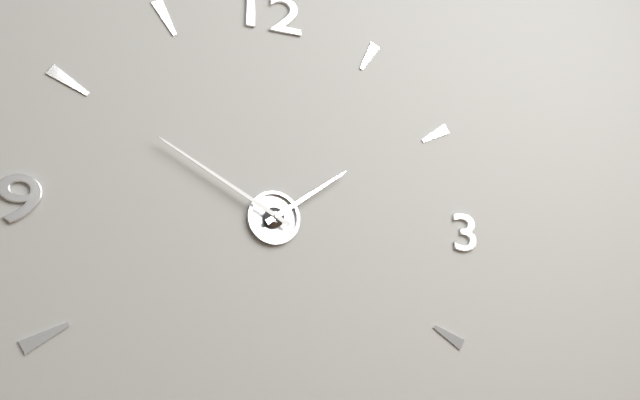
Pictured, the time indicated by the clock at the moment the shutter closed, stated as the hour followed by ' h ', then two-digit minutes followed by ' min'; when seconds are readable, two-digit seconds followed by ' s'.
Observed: 1 h 50 min
